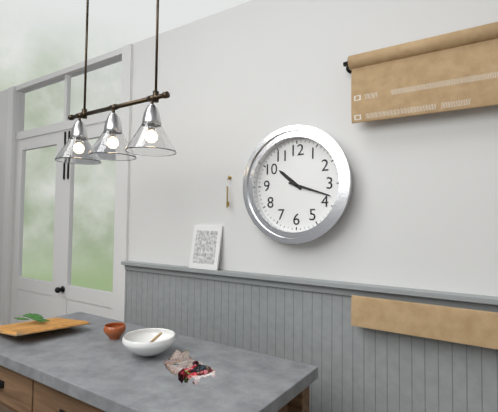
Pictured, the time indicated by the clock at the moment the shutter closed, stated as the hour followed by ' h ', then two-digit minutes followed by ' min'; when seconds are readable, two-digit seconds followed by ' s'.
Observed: 10 h 18 min
